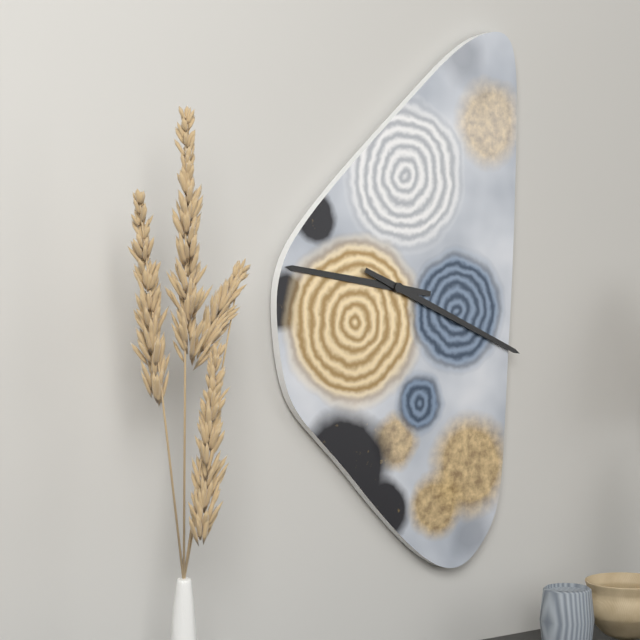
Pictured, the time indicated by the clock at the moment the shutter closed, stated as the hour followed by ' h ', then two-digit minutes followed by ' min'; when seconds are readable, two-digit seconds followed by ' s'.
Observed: 9 h 19 min
